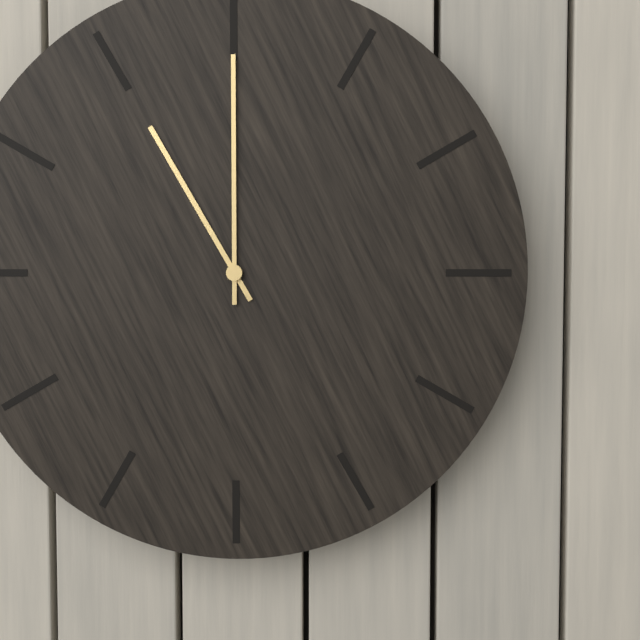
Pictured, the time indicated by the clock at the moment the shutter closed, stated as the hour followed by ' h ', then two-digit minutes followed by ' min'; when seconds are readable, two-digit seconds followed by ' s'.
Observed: 11 h 00 min
